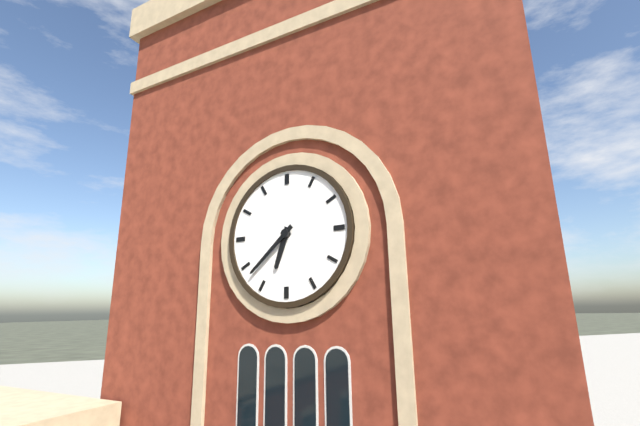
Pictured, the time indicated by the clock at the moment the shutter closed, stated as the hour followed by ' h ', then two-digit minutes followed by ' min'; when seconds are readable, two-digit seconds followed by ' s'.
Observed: 6 h 38 min
